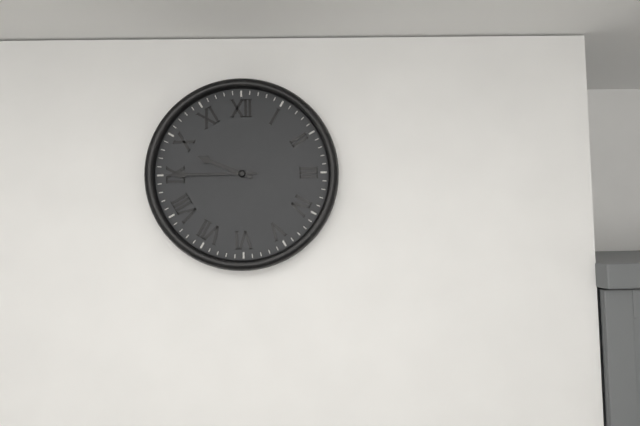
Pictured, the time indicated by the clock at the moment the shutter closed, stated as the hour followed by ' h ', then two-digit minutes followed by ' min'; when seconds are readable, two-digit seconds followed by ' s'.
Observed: 9 h 45 min
